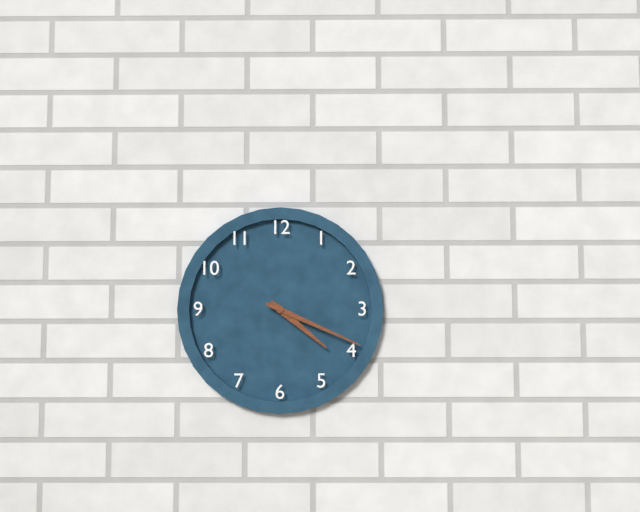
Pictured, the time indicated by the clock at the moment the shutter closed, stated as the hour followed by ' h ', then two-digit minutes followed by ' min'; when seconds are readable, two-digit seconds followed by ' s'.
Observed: 4 h 19 min
